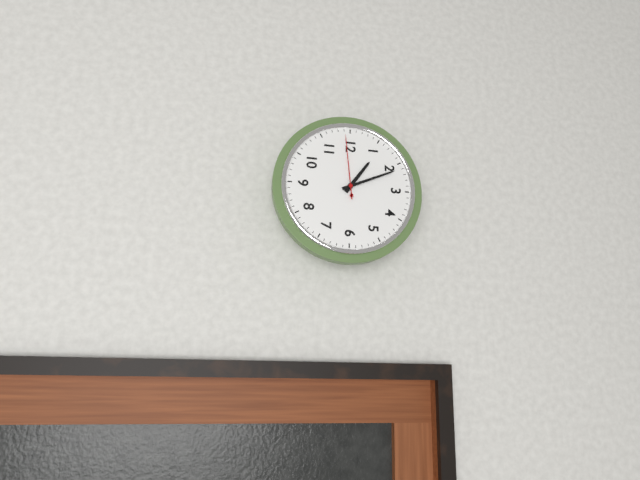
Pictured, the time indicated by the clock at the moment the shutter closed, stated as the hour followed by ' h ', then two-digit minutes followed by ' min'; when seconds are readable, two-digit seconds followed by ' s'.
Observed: 1 h 11 min 59 s
